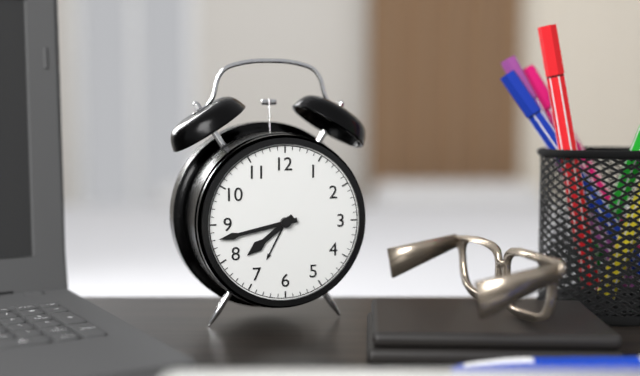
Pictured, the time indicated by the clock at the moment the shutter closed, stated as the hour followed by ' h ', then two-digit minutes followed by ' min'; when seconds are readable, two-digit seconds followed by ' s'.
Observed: 7 h 43 min
